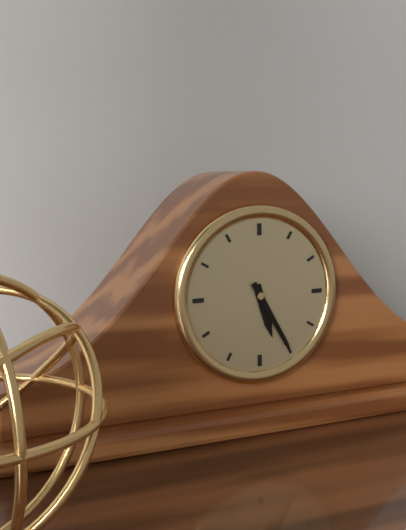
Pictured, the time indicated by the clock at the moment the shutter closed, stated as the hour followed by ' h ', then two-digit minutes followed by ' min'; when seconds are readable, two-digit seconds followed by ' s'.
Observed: 5 h 25 min
